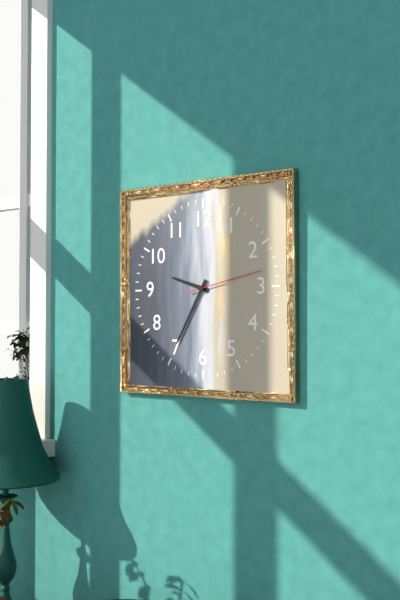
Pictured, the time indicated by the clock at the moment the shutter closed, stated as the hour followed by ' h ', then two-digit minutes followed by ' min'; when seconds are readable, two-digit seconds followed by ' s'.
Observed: 9 h 35 min 13 s
